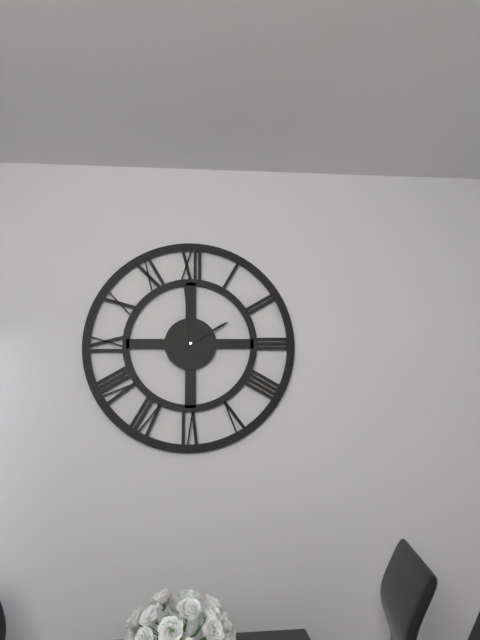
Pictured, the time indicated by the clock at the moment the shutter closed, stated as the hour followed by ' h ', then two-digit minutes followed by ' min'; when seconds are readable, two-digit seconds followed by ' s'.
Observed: 1 h 59 min
